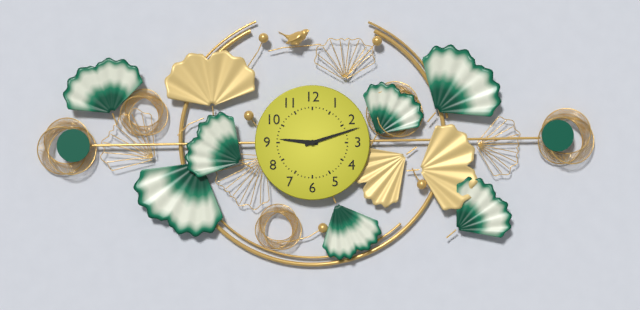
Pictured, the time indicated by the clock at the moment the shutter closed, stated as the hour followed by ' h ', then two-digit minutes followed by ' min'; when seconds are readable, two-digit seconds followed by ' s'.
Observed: 9 h 12 min
